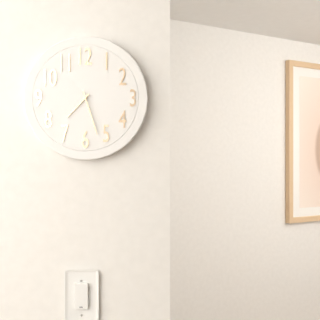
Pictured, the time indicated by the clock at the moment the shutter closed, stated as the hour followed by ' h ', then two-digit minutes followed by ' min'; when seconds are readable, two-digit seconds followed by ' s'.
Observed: 7 h 27 min
